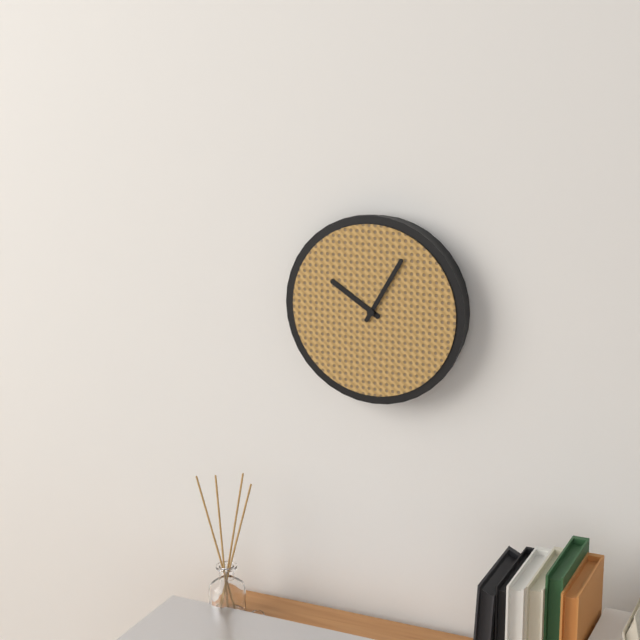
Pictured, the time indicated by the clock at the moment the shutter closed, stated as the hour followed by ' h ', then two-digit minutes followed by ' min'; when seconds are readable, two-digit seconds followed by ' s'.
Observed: 10 h 05 min
